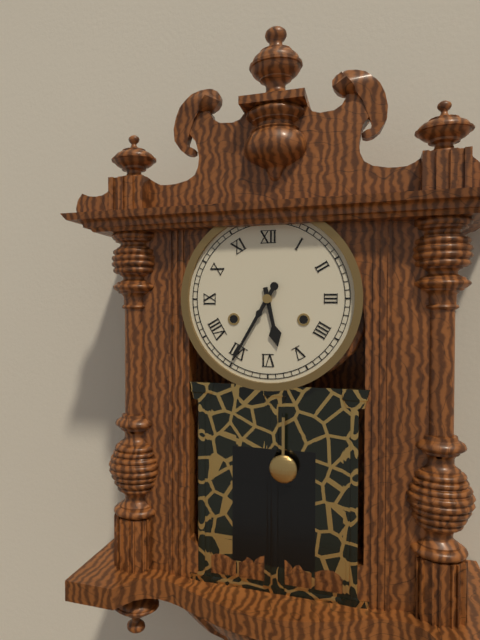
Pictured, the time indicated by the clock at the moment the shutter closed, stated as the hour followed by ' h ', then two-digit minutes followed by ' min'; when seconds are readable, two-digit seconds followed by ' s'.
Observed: 5 h 35 min
